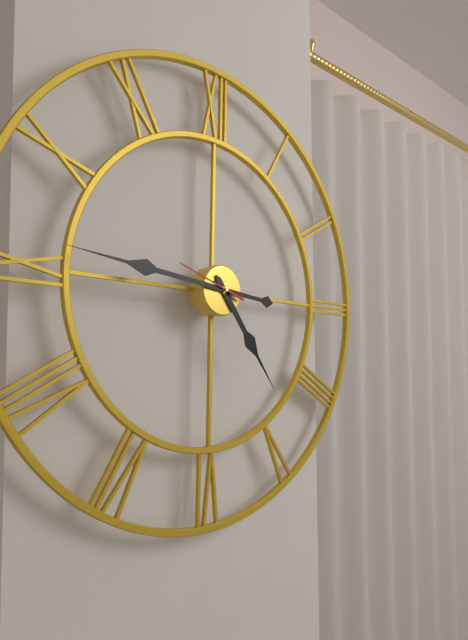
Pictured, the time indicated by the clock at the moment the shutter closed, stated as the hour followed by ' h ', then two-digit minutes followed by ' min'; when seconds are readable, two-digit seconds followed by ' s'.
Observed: 4 h 46 min 48 s
